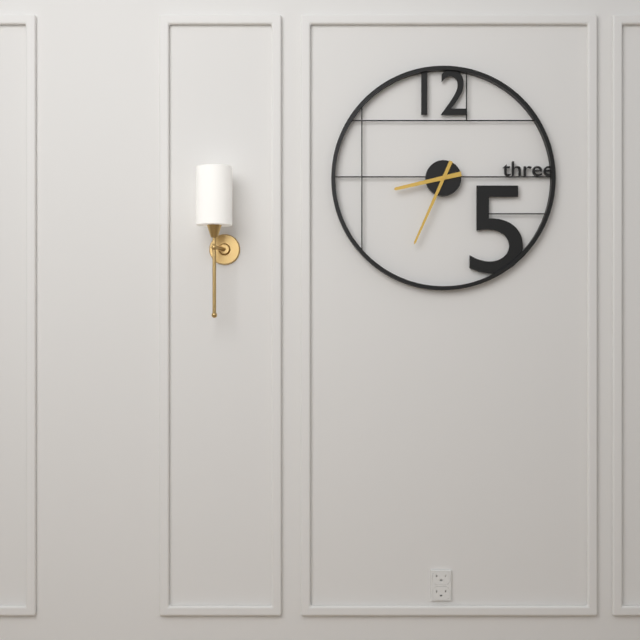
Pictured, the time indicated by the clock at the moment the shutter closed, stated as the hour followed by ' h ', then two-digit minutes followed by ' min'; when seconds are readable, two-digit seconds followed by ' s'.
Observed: 8 h 34 min
